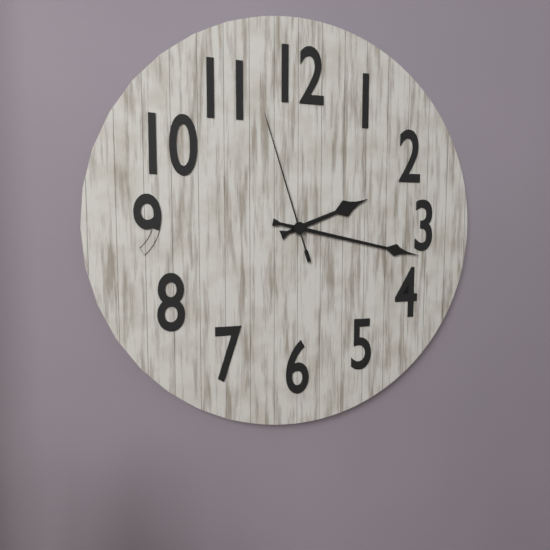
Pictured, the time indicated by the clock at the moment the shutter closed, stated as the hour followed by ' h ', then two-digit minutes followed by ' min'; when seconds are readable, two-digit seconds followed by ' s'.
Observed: 2 h 17 min 57 s
